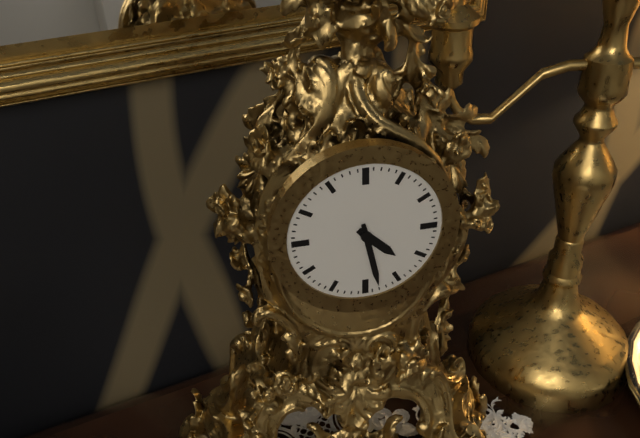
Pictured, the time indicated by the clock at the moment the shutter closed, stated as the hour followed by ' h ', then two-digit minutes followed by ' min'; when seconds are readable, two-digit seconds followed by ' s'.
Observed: 4 h 28 min
